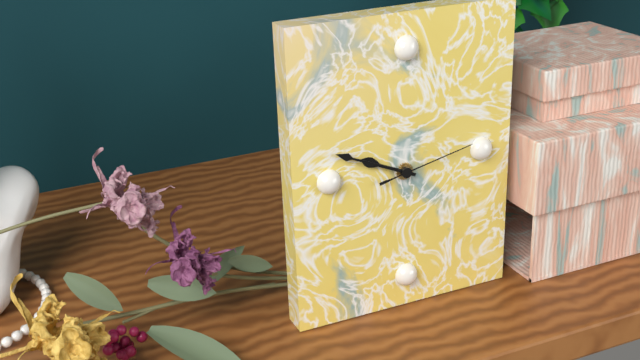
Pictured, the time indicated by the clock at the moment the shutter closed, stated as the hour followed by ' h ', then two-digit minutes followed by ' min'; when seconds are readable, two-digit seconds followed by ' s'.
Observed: 9 h 49 min 13 s
